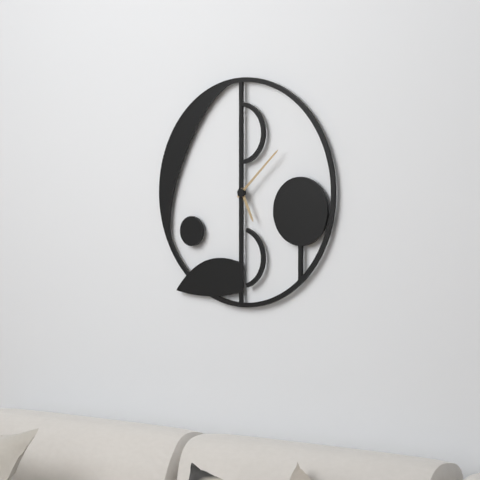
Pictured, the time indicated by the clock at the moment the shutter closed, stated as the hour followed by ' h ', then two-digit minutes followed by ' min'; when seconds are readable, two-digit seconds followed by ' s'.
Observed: 5 h 08 min
